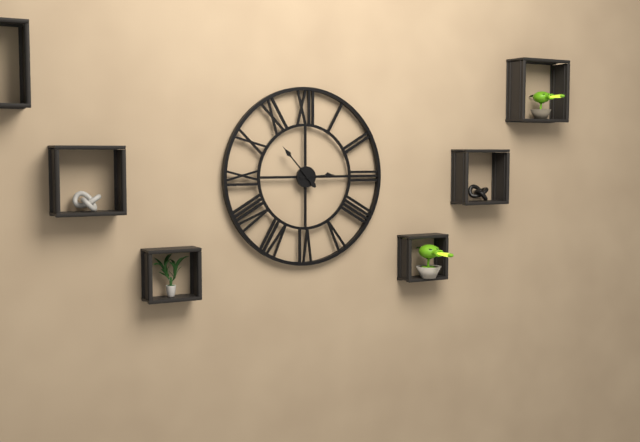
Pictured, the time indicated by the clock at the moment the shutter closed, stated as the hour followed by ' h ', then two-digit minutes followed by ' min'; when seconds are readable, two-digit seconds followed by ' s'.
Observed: 2 h 53 min
